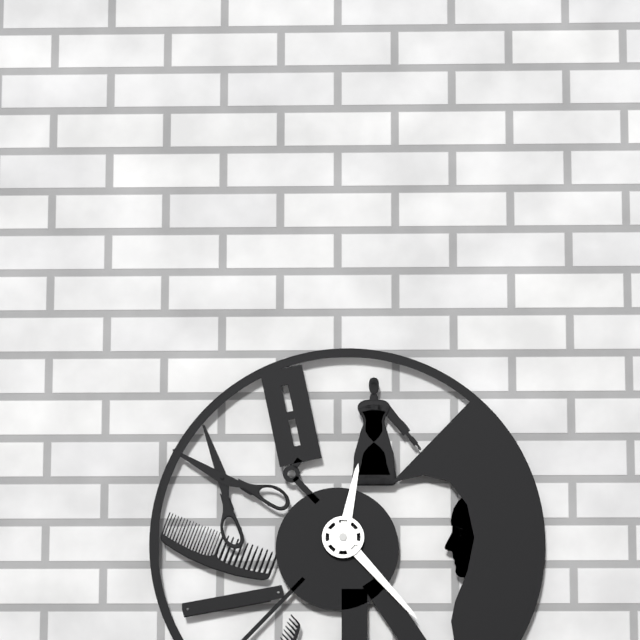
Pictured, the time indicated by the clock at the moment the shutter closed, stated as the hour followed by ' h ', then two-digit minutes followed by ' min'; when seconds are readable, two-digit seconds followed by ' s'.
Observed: 12 h 23 min
